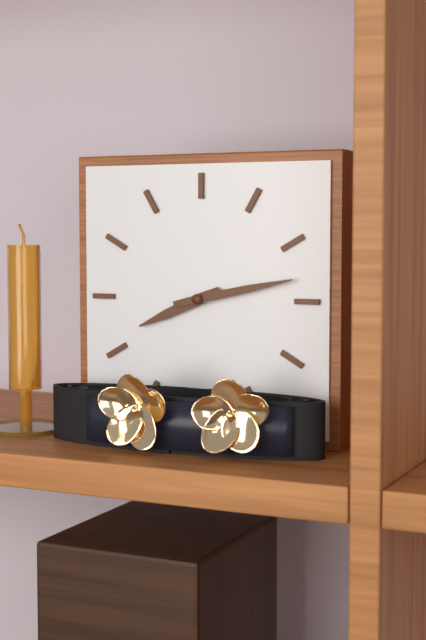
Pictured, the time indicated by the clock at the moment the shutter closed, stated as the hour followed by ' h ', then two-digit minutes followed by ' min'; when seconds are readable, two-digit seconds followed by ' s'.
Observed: 8 h 13 min
